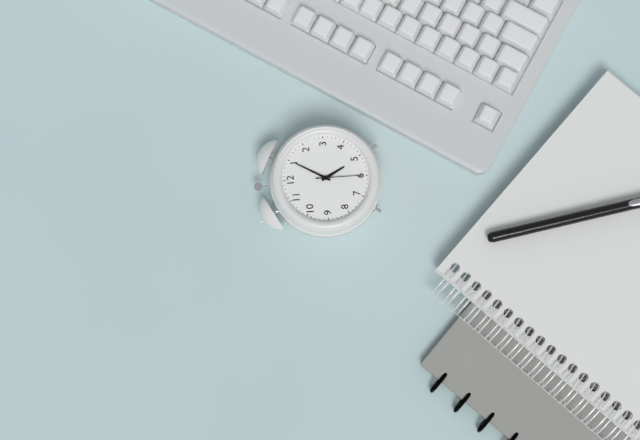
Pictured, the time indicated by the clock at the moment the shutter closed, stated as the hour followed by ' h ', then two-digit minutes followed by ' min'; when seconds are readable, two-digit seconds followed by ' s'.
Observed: 5 h 05 min
